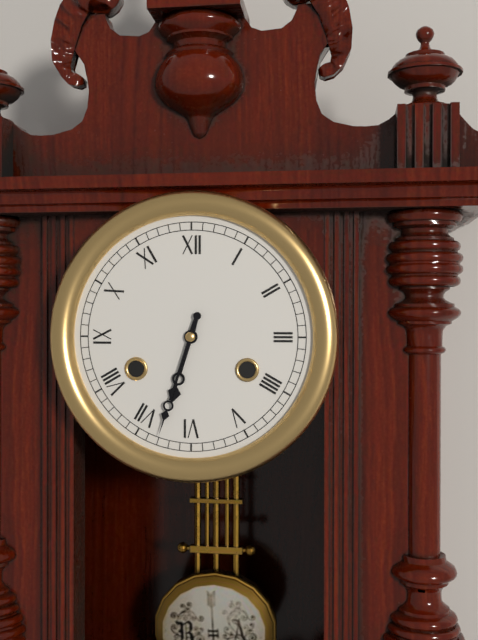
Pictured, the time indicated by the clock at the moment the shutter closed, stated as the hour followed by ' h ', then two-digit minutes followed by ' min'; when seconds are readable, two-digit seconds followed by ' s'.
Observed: 6 h 33 min
